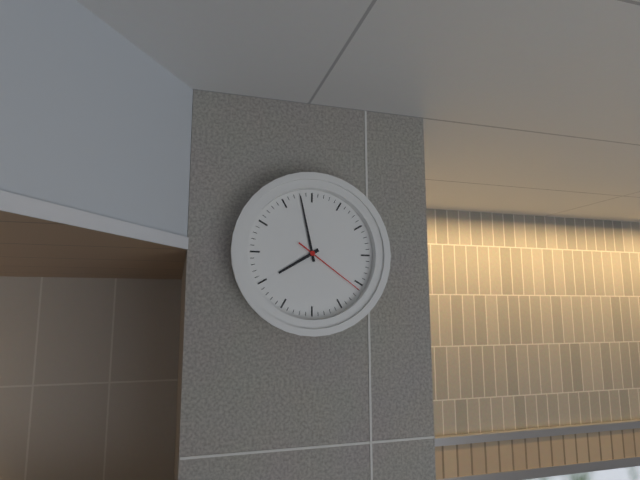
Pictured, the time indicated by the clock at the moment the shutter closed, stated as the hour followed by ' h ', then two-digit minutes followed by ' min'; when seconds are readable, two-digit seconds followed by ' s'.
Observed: 7 h 58 min 21 s
